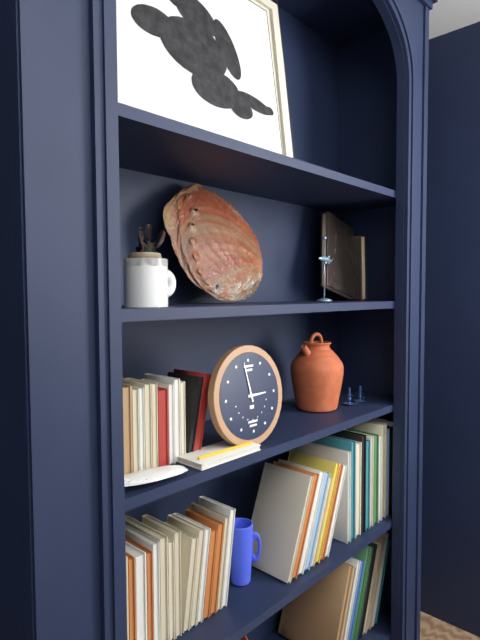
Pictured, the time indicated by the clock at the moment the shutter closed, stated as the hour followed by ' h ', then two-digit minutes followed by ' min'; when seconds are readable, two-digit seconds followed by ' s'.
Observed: 2 h 58 min
